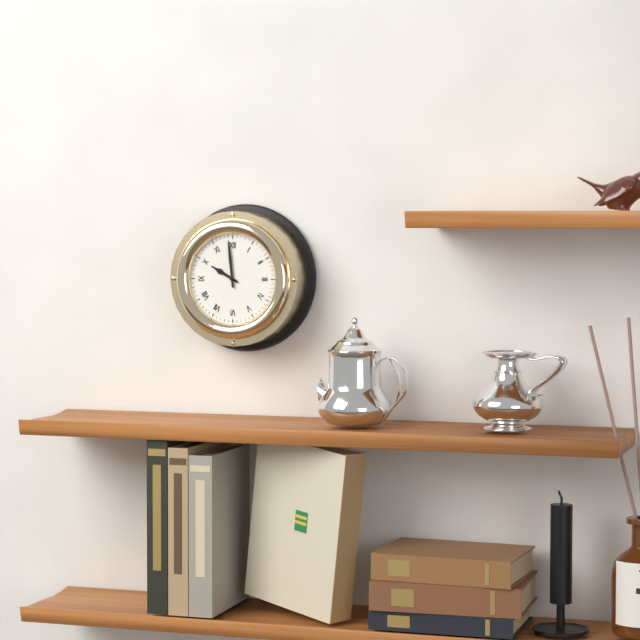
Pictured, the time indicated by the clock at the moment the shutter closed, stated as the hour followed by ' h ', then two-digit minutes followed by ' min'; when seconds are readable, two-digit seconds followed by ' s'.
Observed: 9 h 59 min
